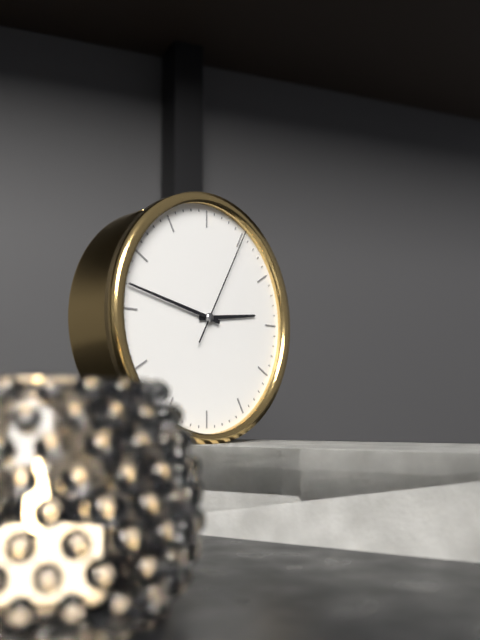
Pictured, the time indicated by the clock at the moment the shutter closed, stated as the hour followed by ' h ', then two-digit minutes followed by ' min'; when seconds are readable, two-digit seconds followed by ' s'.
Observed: 2 h 47 min 05 s
